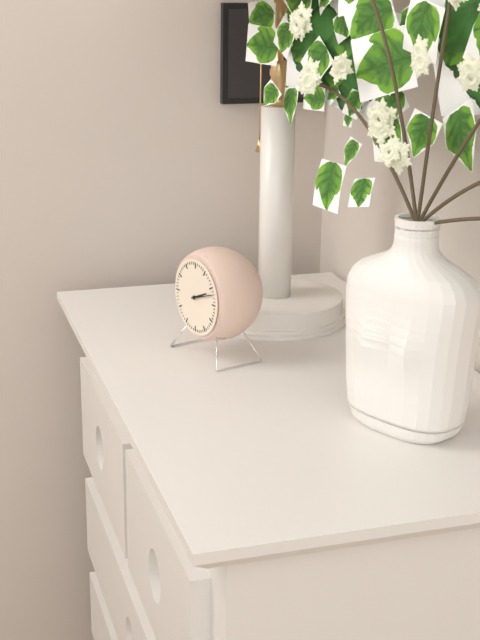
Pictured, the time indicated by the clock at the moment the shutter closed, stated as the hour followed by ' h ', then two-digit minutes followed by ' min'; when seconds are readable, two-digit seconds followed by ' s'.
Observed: 2 h 12 min
